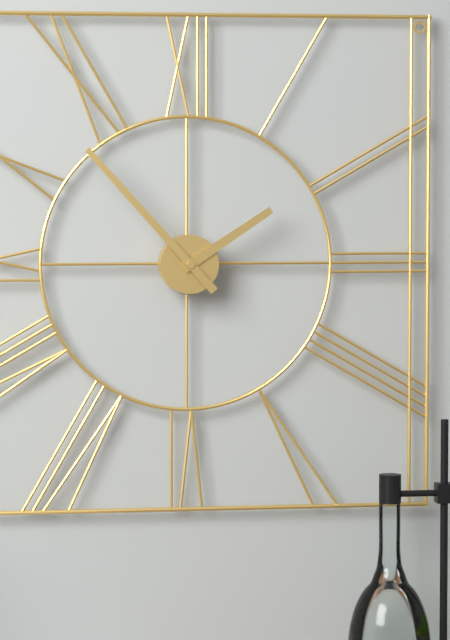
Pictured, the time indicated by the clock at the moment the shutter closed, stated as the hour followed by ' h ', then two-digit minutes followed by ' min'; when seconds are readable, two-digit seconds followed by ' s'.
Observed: 1 h 53 min
